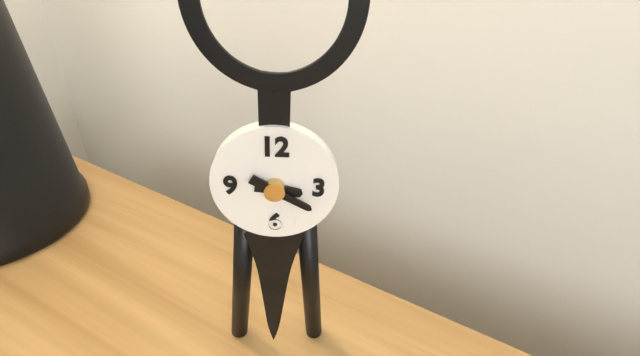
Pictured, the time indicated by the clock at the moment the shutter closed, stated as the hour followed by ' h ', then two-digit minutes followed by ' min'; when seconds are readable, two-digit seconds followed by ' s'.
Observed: 3 h 20 min
